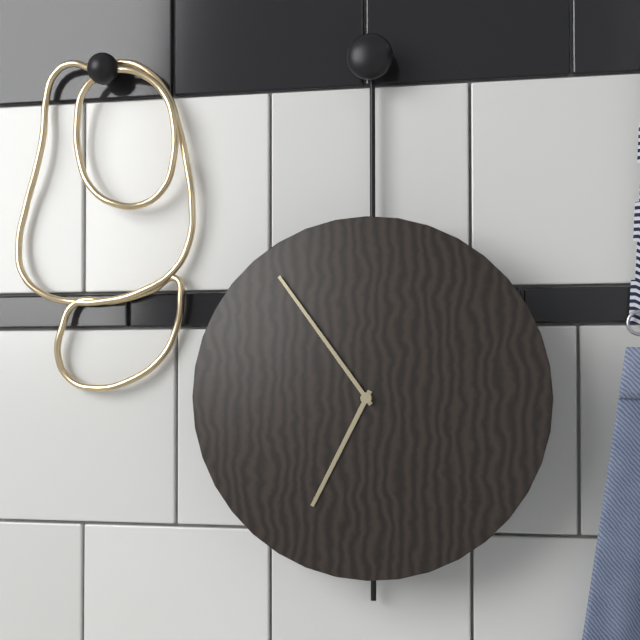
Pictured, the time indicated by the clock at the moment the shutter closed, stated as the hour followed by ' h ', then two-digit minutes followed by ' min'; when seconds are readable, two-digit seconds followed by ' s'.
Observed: 6 h 54 min
